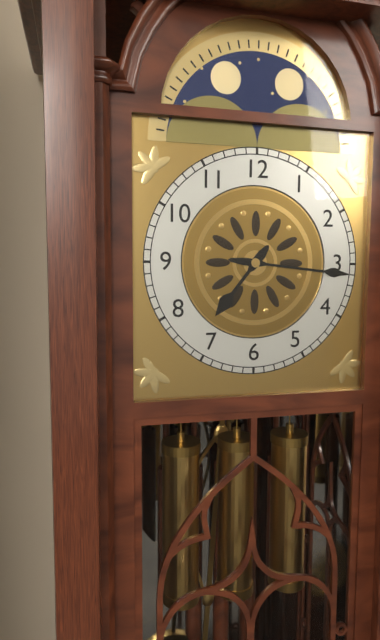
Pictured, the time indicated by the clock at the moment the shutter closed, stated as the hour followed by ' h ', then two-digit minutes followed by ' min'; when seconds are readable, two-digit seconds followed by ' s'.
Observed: 7 h 16 min
